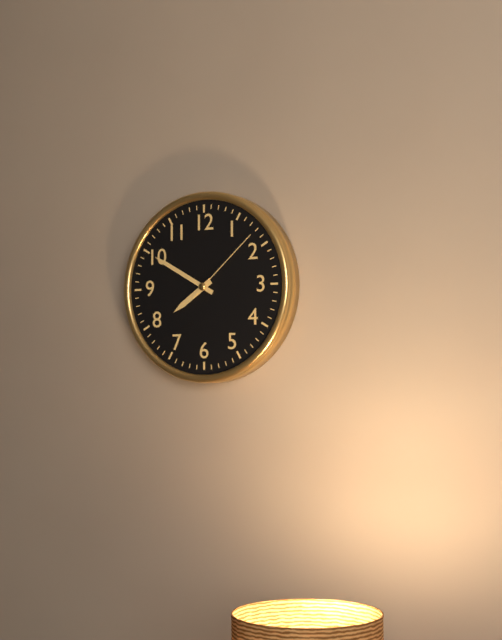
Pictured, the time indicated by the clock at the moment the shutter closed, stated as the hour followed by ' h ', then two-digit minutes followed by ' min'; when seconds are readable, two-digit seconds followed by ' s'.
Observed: 7 h 50 min 08 s
